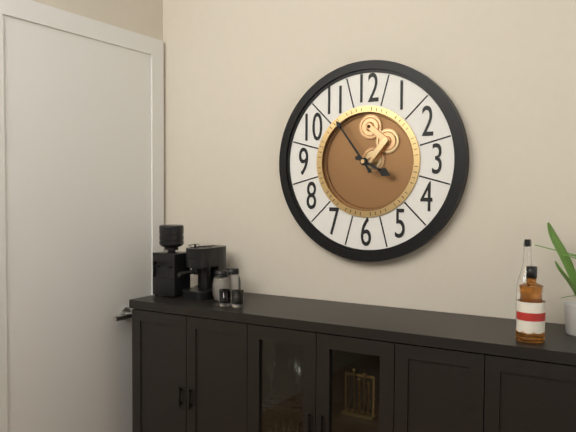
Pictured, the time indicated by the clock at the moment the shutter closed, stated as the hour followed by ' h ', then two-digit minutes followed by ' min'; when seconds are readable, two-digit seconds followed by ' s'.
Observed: 3 h 54 min
